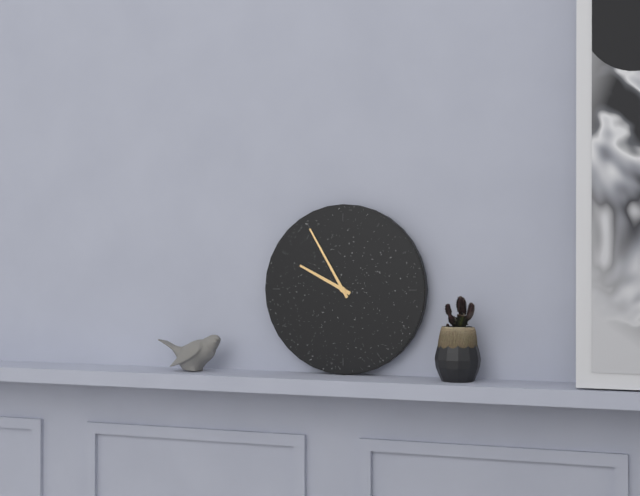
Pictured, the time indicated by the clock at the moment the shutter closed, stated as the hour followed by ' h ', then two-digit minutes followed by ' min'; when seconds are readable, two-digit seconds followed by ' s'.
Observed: 9 h 55 min
